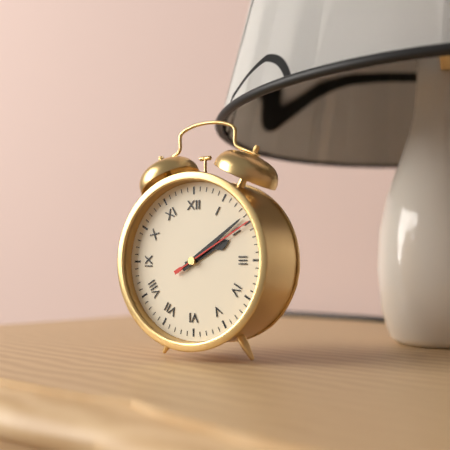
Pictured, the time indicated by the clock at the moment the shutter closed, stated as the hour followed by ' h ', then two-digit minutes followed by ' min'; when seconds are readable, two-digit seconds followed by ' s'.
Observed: 2 h 09 min 10 s
